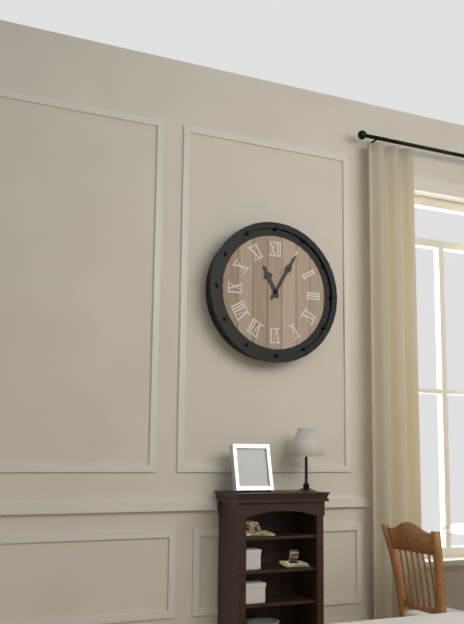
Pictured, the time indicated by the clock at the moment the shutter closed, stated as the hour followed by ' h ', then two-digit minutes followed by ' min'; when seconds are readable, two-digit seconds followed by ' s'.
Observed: 11 h 05 min
